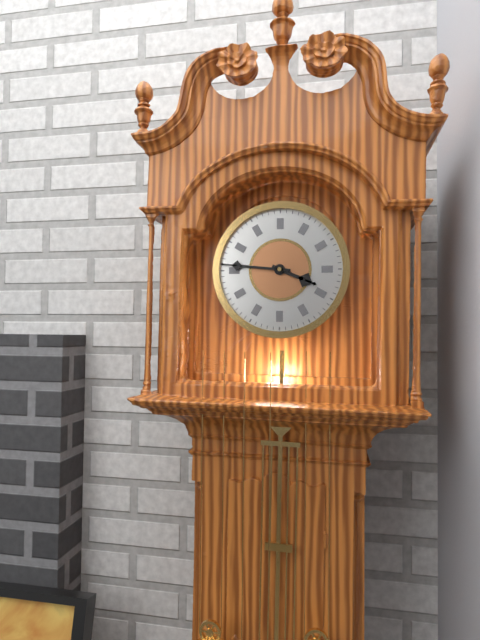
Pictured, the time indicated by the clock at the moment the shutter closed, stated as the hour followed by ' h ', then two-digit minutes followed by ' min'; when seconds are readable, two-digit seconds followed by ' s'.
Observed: 3 h 46 min
